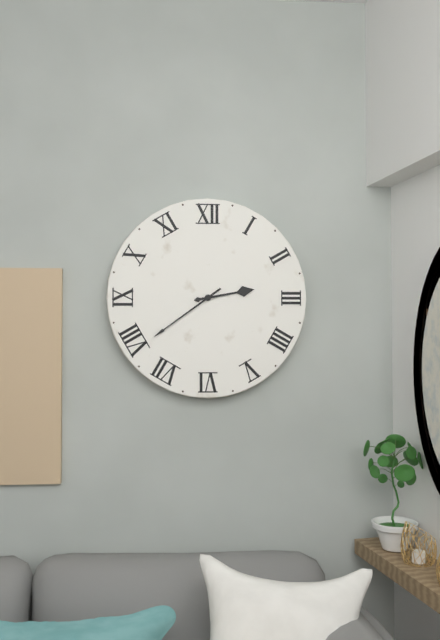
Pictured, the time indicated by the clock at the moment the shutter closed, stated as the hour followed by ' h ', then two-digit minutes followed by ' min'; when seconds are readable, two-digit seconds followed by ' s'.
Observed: 2 h 39 min
